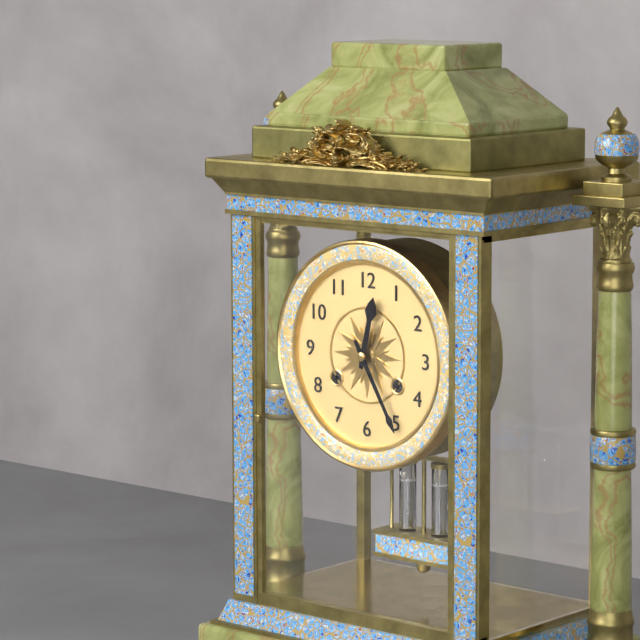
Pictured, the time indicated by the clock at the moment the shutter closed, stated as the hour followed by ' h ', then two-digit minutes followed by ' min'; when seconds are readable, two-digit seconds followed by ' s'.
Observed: 12 h 25 min
